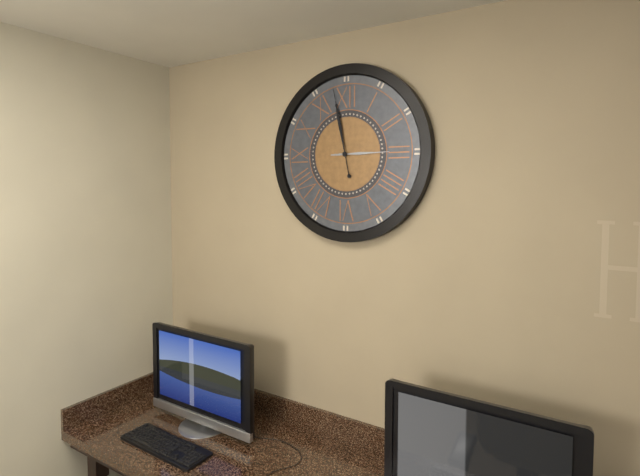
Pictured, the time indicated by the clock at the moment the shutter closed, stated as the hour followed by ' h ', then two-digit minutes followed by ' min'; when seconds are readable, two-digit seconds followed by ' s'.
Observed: 2 h 58 min
